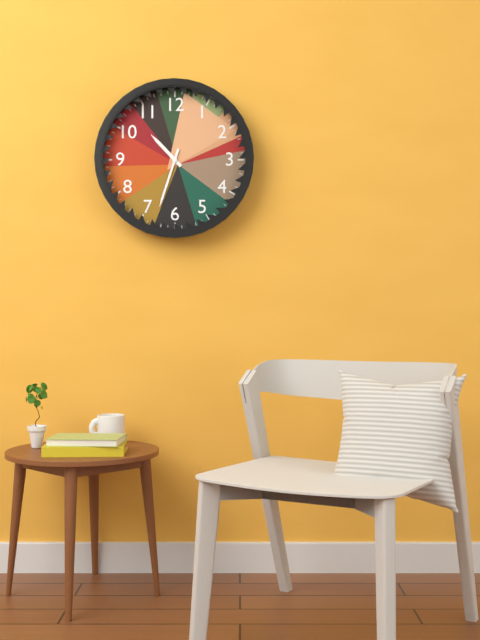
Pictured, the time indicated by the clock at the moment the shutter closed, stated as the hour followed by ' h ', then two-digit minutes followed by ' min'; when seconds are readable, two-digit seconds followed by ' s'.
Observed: 10 h 33 min
